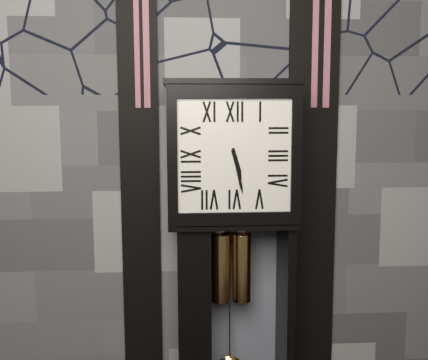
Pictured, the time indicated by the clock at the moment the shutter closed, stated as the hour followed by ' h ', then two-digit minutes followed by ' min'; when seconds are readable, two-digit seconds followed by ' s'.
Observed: 5 h 28 min
